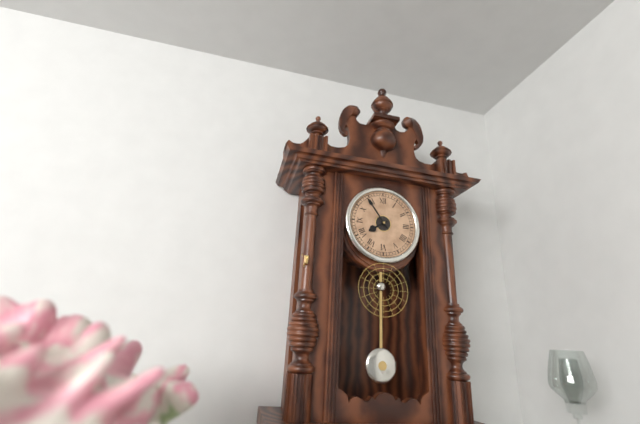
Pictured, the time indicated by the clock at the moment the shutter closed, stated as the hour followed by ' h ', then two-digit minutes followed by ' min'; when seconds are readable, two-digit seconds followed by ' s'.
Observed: 7 h 54 min
